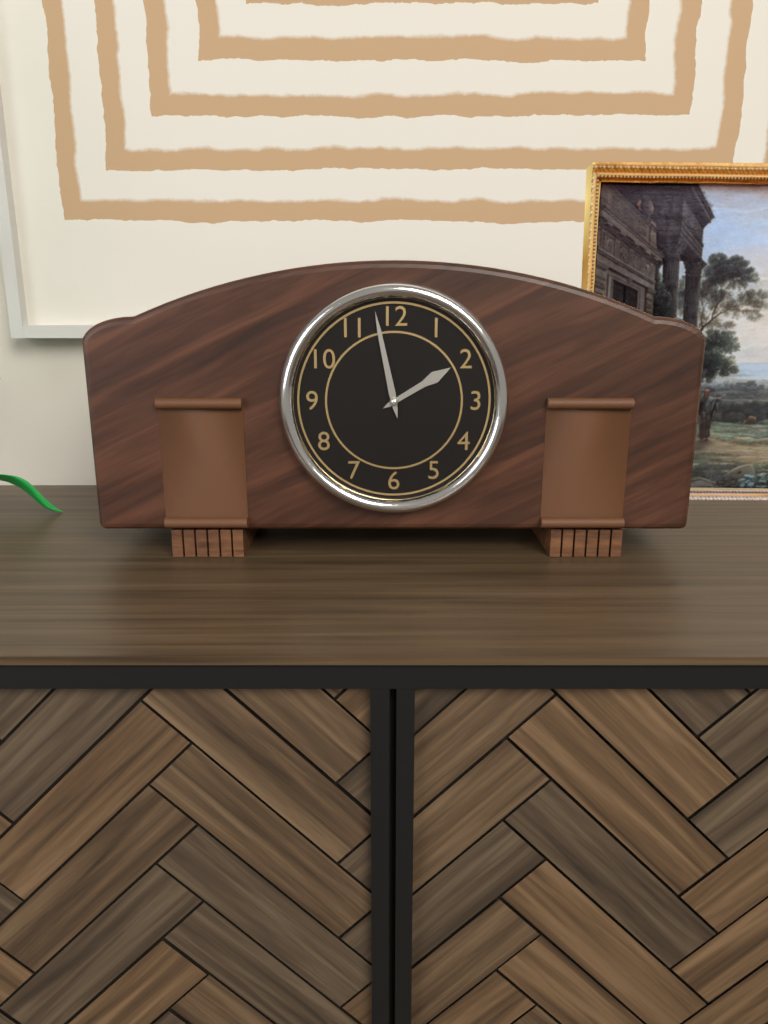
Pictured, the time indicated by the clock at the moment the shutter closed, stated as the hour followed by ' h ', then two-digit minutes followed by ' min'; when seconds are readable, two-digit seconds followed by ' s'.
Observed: 1 h 58 min
